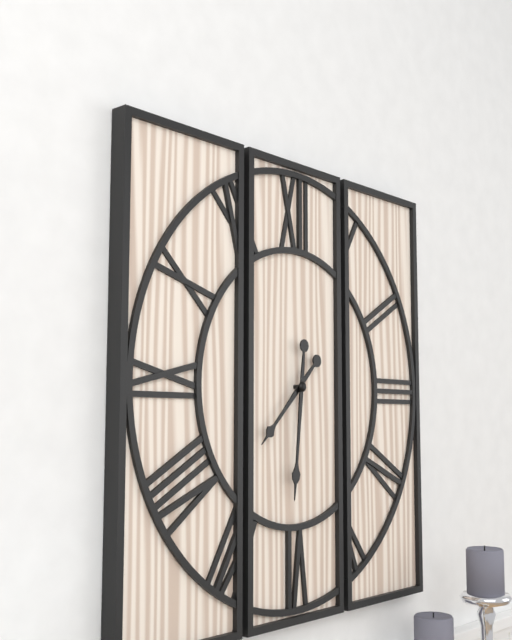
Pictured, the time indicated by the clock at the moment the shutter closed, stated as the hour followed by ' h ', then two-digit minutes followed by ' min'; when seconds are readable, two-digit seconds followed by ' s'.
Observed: 7 h 31 min
